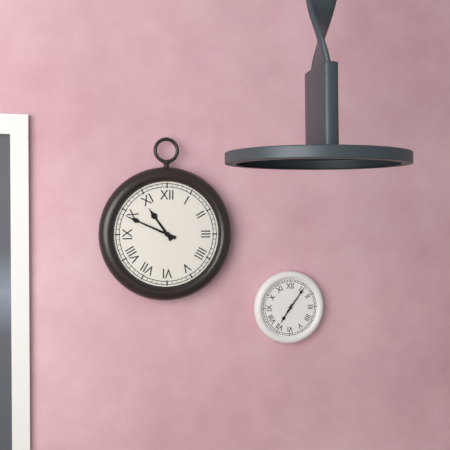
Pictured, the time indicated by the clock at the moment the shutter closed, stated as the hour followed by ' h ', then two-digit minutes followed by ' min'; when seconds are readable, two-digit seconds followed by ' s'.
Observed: 10 h 49 min
